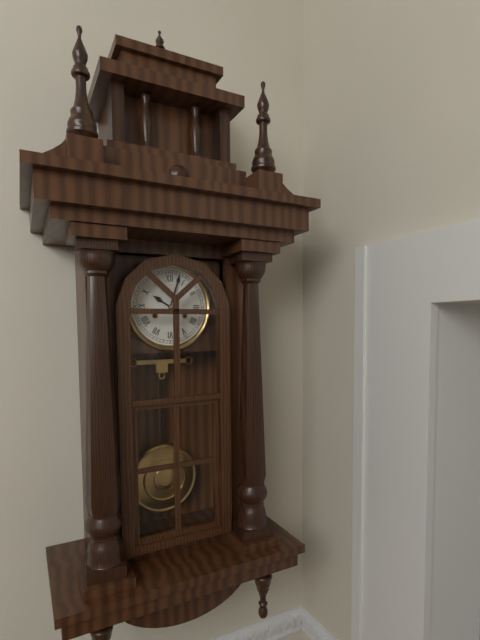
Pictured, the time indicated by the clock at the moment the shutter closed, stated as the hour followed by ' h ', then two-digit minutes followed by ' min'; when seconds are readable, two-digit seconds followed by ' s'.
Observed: 10 h 03 min
